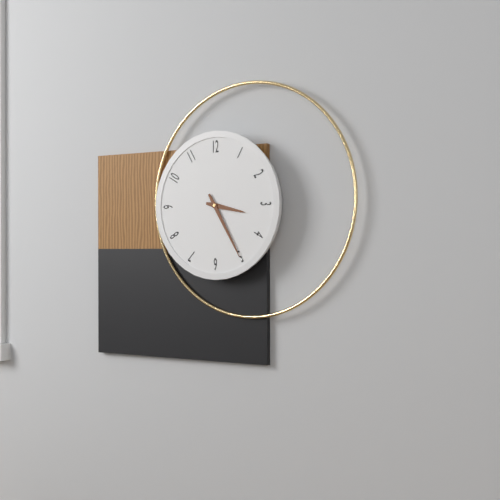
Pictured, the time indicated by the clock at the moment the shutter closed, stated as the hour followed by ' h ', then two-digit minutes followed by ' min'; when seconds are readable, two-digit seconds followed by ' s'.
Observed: 3 h 25 min
